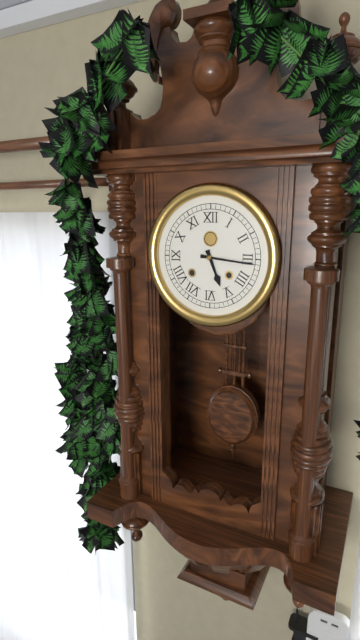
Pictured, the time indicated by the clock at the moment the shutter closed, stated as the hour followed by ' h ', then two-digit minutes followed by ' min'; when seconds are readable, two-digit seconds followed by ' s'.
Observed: 5 h 16 min
